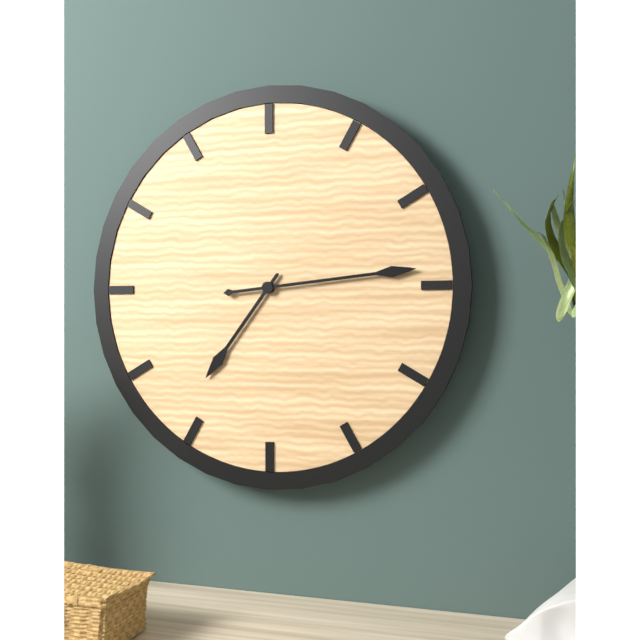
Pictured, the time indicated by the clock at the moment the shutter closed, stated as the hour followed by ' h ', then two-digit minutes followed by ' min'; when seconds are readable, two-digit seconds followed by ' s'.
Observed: 7 h 14 min
